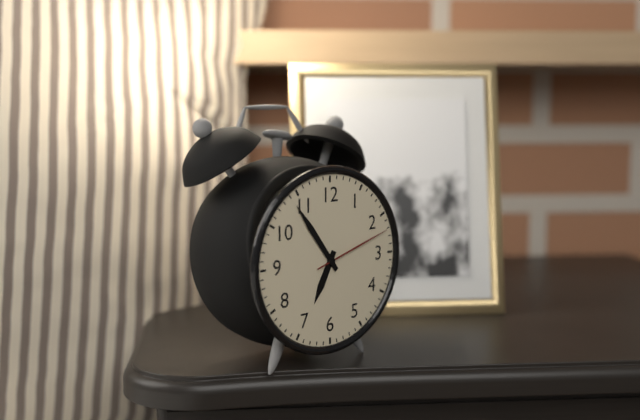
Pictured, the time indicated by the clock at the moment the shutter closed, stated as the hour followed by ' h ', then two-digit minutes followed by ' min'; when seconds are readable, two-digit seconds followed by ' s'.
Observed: 6 h 54 min 12 s
